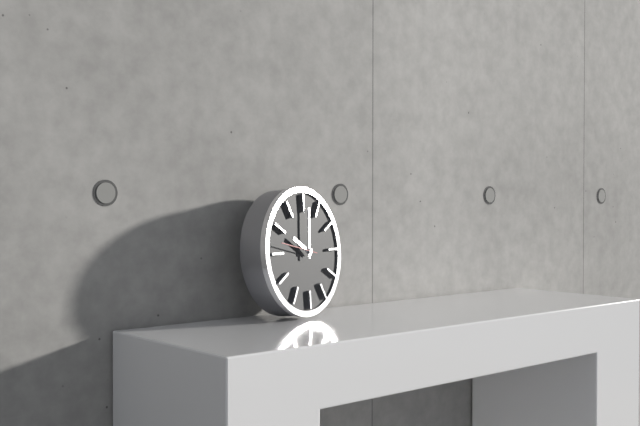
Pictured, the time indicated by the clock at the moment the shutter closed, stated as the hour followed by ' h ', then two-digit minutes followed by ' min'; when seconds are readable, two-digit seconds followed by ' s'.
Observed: 10 h 01 min
